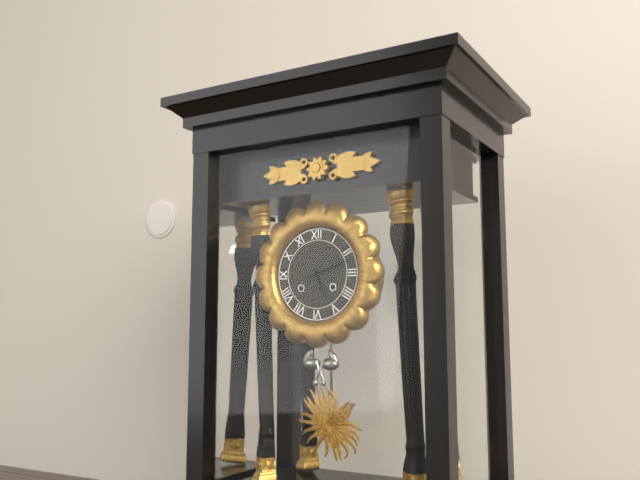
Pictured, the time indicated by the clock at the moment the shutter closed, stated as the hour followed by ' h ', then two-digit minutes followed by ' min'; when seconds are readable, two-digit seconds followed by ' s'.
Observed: 5 h 12 min
